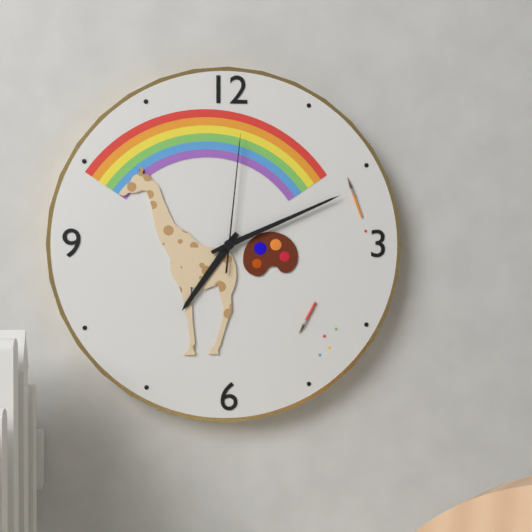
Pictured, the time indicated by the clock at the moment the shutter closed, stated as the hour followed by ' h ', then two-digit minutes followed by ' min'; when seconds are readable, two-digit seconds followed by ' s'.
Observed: 7 h 11 min 01 s
